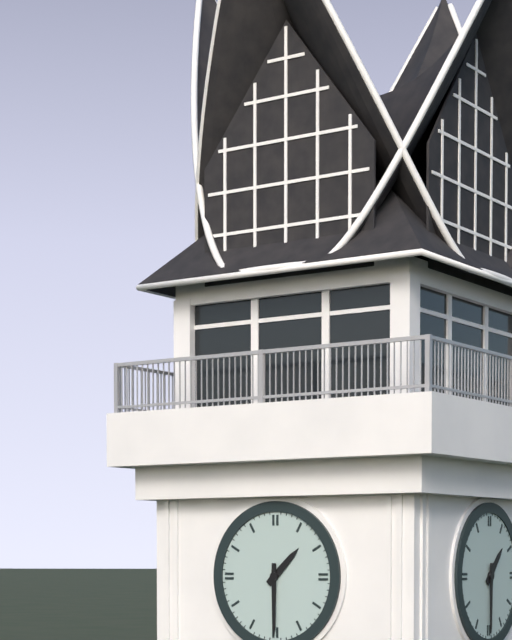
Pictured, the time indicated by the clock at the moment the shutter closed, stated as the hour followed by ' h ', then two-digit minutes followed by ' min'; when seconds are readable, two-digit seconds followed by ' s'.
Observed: 1 h 30 min
